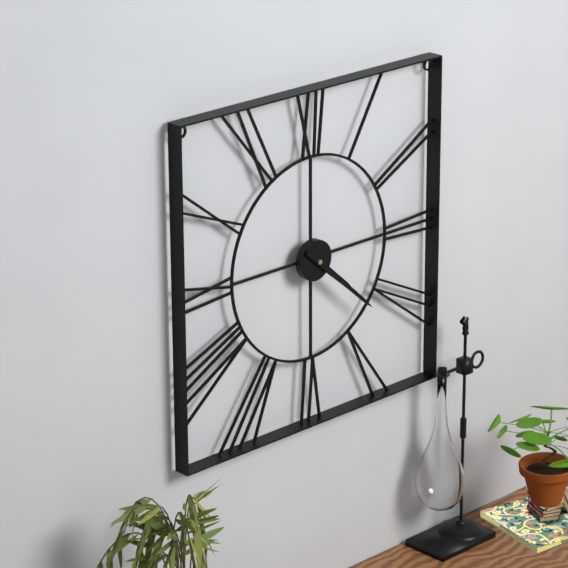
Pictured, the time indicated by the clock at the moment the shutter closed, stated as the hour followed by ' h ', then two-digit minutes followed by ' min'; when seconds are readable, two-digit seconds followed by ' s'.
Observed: 4 h 22 min
